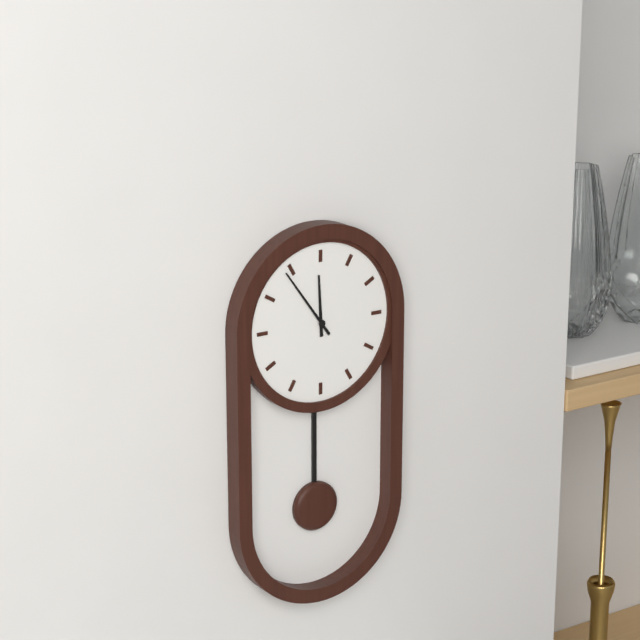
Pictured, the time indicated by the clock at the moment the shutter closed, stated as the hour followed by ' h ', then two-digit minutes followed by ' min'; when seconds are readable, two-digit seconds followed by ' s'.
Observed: 11 h 54 min
